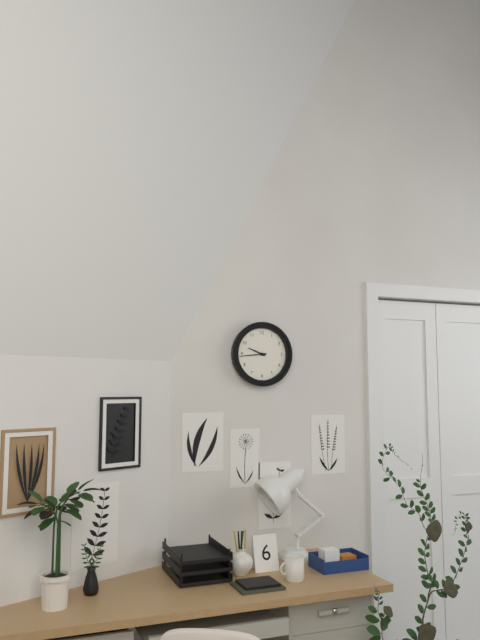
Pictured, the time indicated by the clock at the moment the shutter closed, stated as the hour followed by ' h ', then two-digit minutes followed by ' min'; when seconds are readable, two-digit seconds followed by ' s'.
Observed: 9 h 44 min
